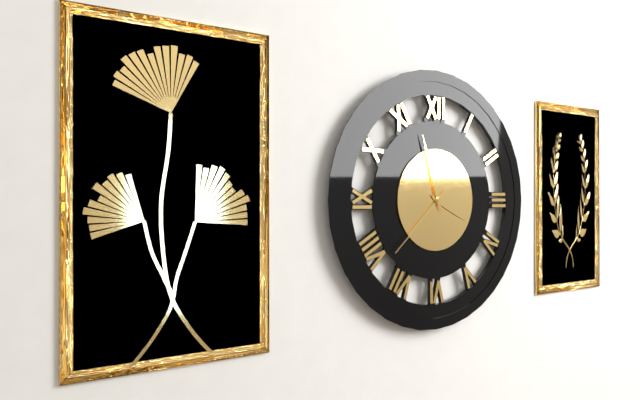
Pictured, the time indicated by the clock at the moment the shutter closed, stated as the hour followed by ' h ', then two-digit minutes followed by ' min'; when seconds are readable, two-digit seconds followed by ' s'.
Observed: 3 h 57 min 38 s
